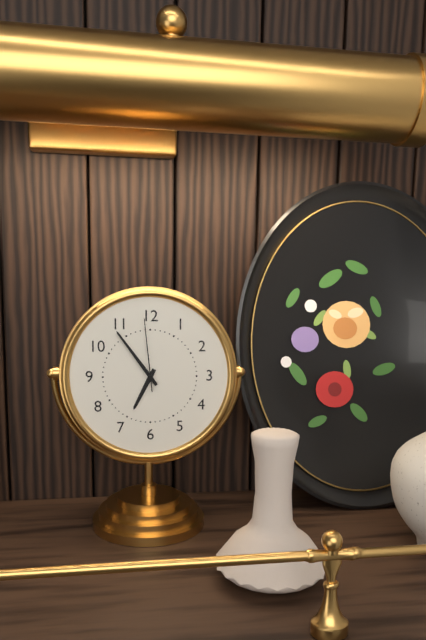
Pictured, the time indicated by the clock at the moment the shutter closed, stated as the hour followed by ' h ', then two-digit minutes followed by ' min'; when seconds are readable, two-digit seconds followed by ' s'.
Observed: 6 h 54 min 59 s
